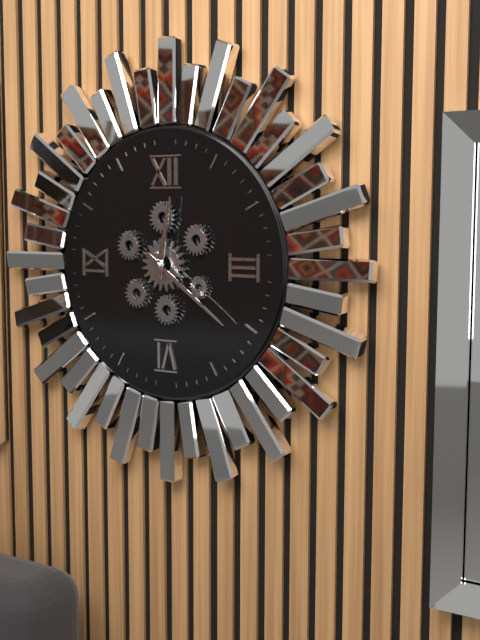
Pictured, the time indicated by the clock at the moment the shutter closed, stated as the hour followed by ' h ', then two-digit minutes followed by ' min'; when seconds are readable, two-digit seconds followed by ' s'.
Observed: 12 h 21 min
